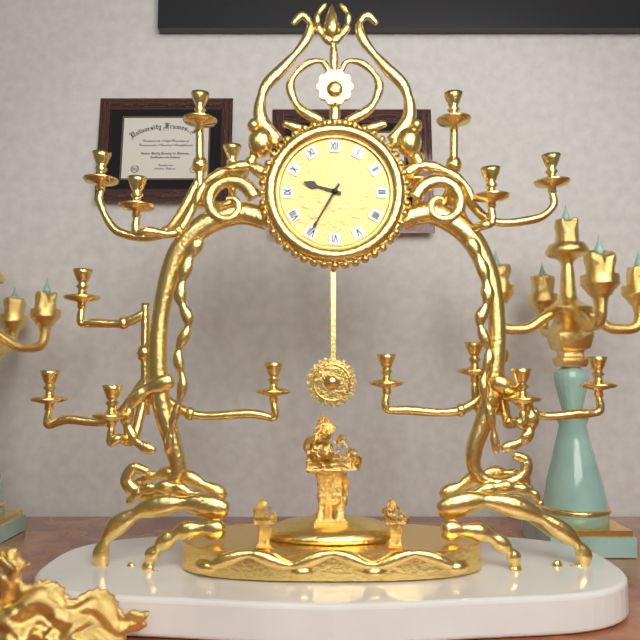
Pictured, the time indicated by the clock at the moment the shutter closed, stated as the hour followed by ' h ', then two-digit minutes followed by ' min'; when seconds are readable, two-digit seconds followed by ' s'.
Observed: 9 h 35 min
